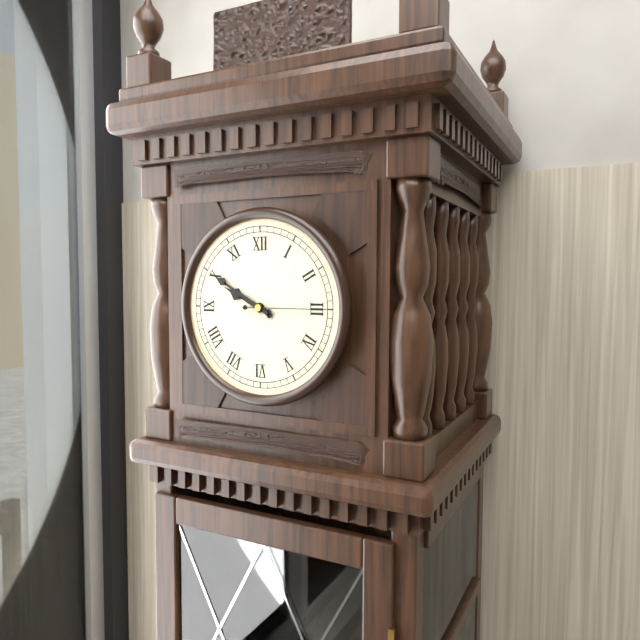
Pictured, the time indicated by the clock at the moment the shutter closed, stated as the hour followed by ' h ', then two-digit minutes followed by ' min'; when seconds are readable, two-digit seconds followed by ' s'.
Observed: 9 h 50 min 15 s
